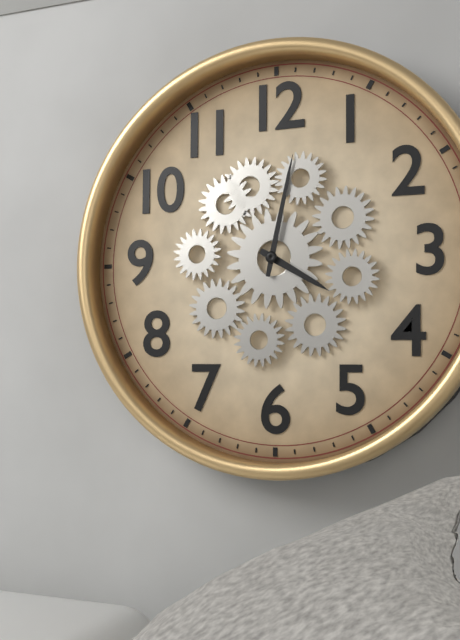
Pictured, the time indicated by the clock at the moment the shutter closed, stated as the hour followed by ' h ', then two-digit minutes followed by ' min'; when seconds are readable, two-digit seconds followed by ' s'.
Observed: 4 h 02 min
